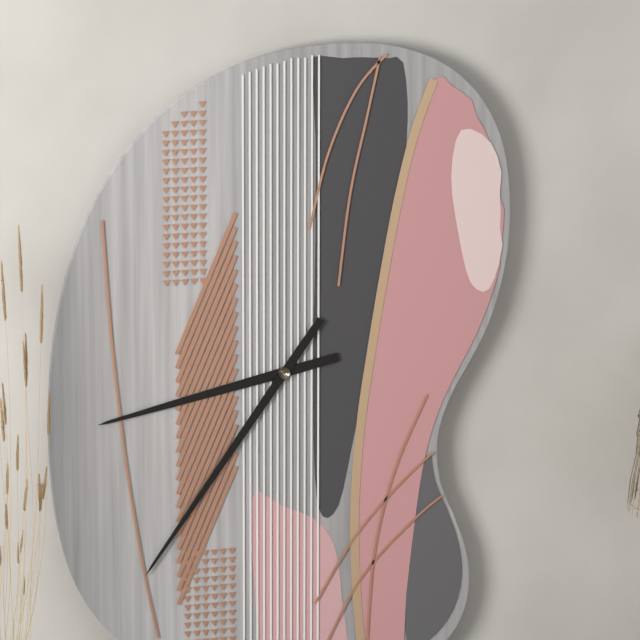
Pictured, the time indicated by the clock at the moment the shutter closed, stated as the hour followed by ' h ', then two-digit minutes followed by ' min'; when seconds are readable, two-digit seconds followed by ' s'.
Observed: 8 h 36 min
